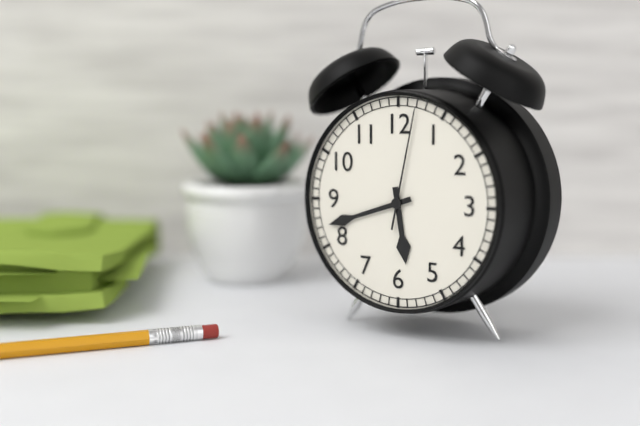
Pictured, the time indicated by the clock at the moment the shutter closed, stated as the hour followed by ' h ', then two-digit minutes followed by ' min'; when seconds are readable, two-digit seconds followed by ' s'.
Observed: 5 h 42 min 02 s
